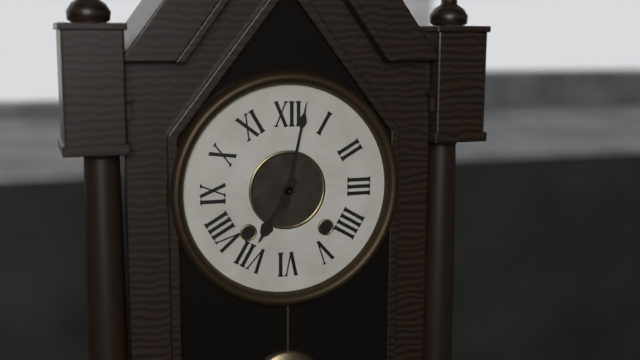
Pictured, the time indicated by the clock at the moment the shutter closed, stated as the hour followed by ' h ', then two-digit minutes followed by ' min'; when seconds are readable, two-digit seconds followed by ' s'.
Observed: 7 h 02 min
